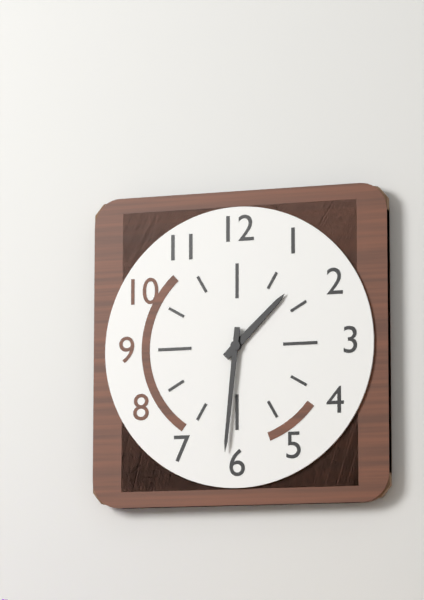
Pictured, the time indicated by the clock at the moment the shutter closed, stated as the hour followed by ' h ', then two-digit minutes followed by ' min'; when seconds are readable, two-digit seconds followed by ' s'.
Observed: 1 h 31 min
